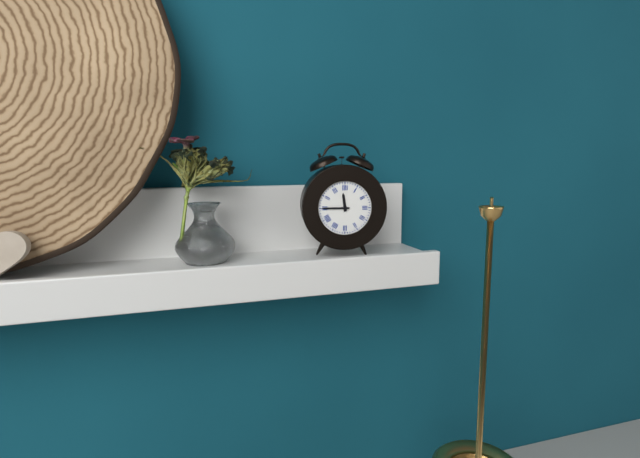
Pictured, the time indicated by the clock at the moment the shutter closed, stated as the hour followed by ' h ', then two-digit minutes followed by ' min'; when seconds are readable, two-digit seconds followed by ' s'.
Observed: 11 h 45 min
